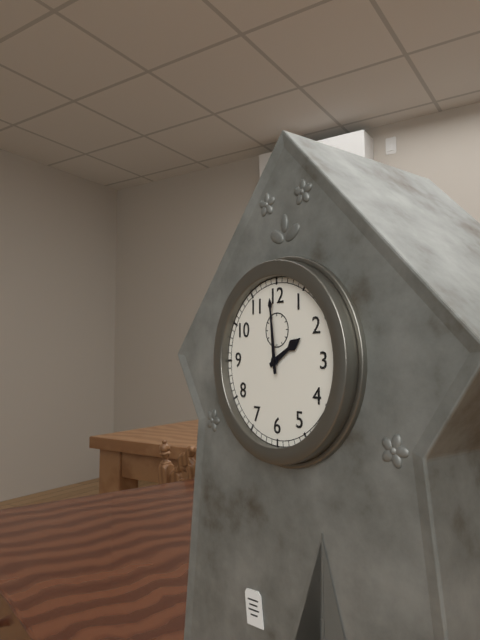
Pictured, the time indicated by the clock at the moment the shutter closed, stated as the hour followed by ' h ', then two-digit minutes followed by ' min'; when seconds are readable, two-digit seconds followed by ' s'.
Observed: 1 h 59 min
